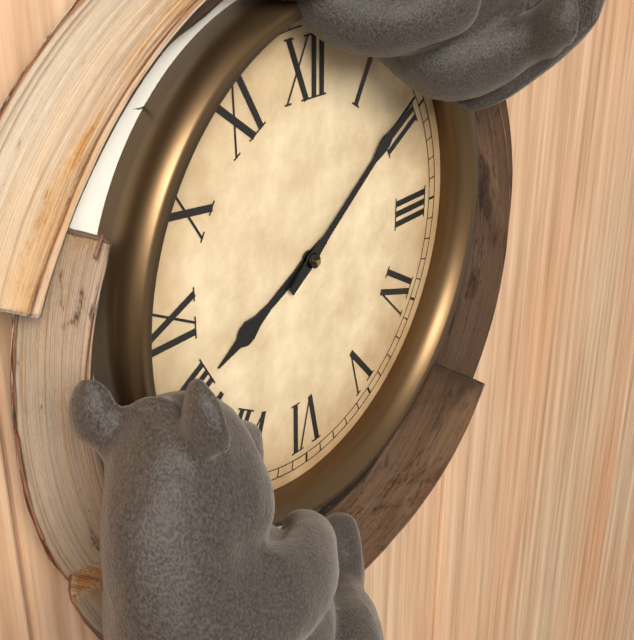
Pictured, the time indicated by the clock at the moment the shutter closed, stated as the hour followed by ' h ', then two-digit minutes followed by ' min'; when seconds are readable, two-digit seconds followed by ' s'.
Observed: 8 h 09 min
